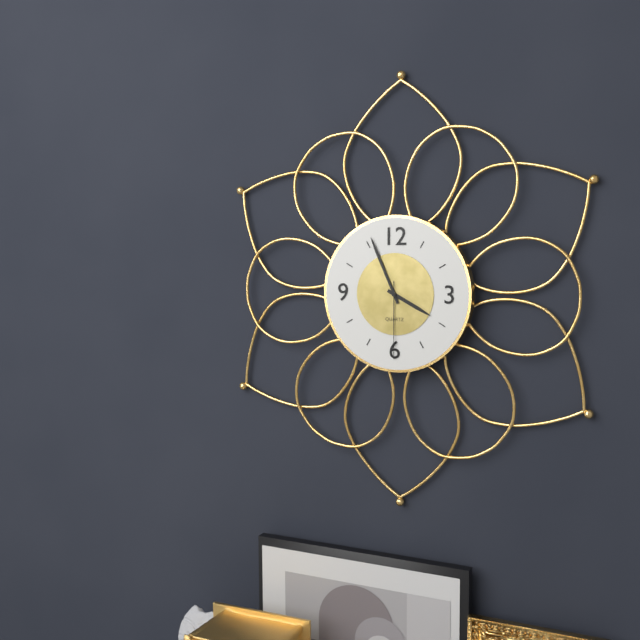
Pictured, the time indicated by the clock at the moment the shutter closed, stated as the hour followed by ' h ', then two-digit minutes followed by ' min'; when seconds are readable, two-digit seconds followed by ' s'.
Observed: 3 h 56 min 30 s
